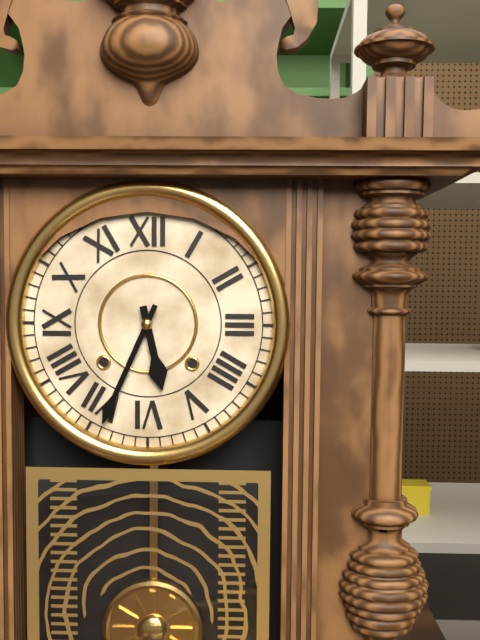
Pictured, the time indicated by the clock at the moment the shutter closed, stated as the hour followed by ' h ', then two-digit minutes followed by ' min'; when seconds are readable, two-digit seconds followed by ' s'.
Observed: 5 h 34 min
